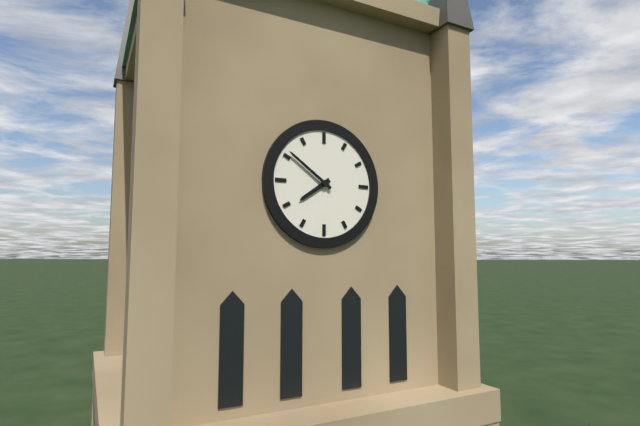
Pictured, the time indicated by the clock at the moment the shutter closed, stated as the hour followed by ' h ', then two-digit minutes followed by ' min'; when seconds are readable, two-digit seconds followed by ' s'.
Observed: 7 h 51 min
